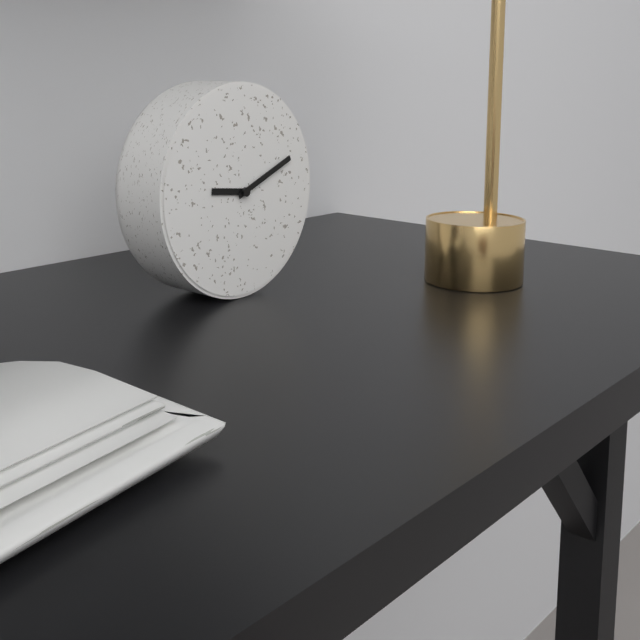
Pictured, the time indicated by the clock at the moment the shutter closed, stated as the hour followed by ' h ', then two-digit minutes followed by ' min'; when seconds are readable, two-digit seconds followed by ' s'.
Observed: 9 h 11 min
